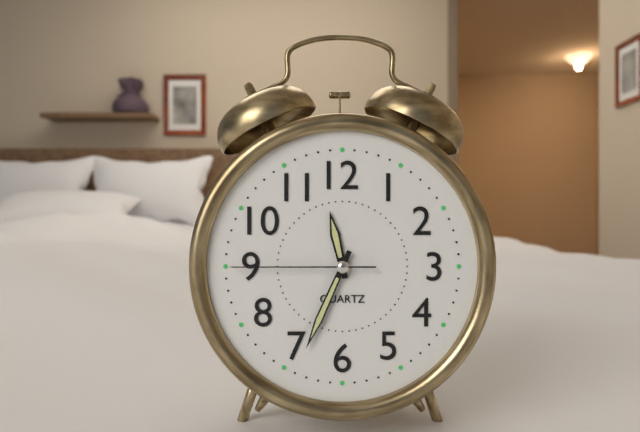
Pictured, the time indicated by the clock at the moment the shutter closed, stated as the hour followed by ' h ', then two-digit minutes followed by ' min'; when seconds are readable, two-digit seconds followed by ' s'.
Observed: 11 h 34 min 45 s
